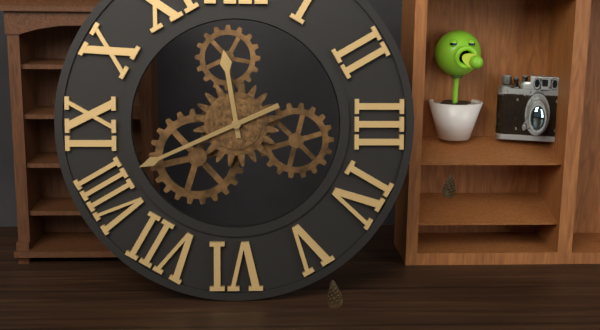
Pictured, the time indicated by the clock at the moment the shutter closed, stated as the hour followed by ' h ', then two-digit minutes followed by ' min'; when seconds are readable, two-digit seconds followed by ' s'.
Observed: 11 h 41 min
